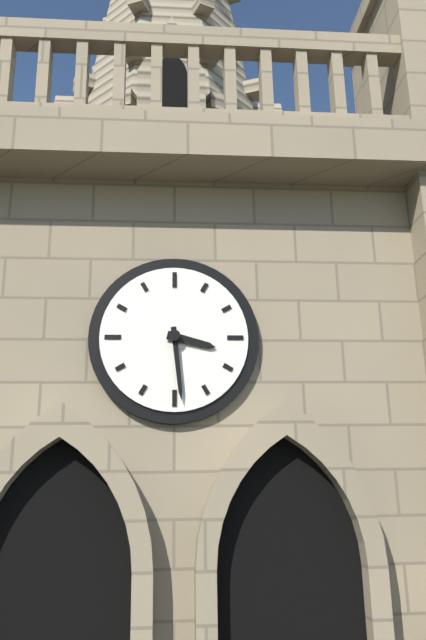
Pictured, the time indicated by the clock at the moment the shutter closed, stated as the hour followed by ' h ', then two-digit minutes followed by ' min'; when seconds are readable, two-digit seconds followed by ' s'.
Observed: 3 h 29 min
